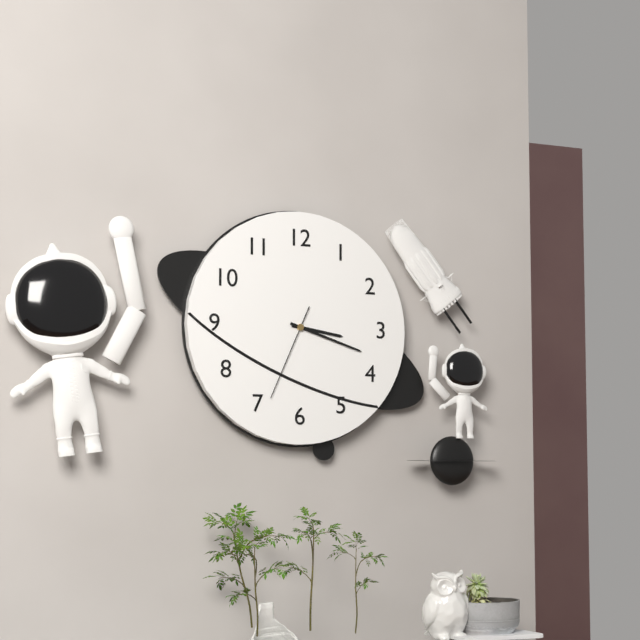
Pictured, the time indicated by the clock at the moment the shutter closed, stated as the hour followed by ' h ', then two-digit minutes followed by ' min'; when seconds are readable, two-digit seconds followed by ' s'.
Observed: 3 h 18 min 34 s
